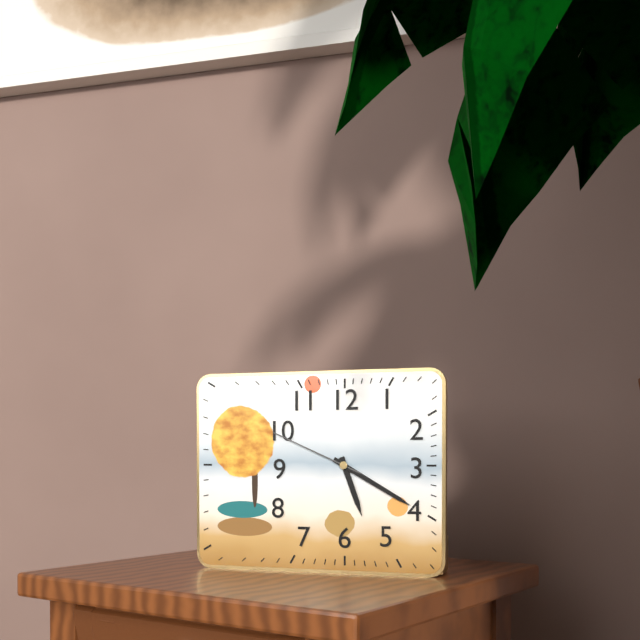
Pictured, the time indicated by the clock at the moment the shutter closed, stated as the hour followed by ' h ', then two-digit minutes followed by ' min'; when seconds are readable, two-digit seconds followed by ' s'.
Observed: 5 h 20 min 49 s
